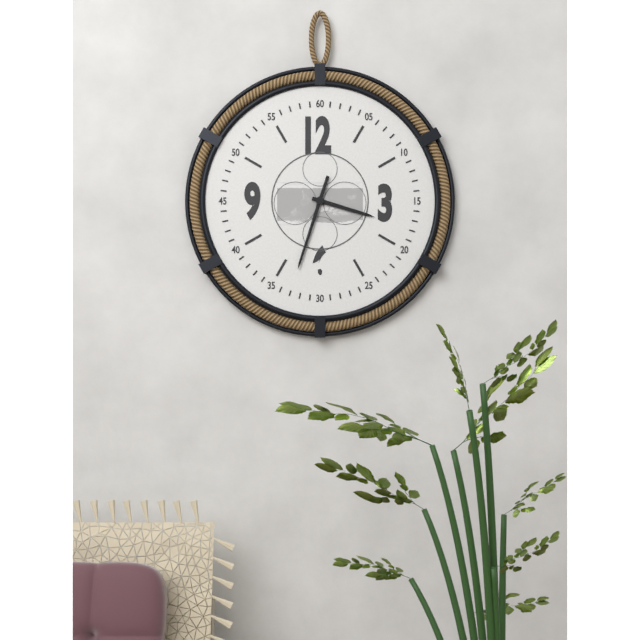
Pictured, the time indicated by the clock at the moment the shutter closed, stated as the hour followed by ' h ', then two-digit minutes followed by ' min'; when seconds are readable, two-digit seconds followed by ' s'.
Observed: 3 h 33 min
